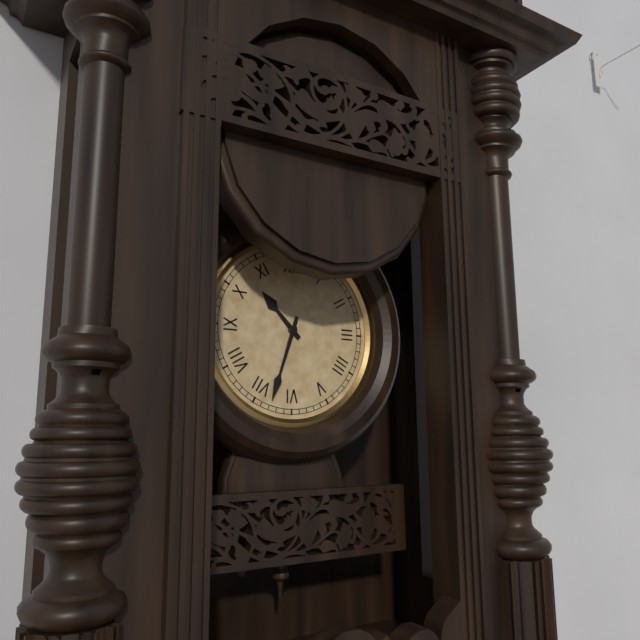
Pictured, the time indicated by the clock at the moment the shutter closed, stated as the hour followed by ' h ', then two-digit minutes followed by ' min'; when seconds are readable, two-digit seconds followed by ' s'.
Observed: 10 h 33 min
